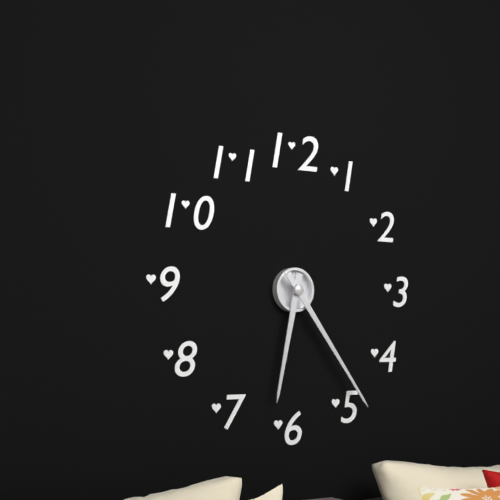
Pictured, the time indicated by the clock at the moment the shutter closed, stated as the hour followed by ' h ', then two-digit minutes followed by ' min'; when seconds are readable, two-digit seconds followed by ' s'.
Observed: 6 h 24 min
